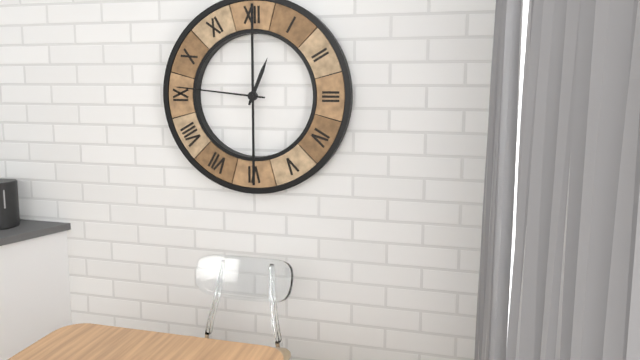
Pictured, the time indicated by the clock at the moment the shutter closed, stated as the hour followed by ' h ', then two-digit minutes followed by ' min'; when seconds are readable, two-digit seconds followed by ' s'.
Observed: 12 h 46 min
